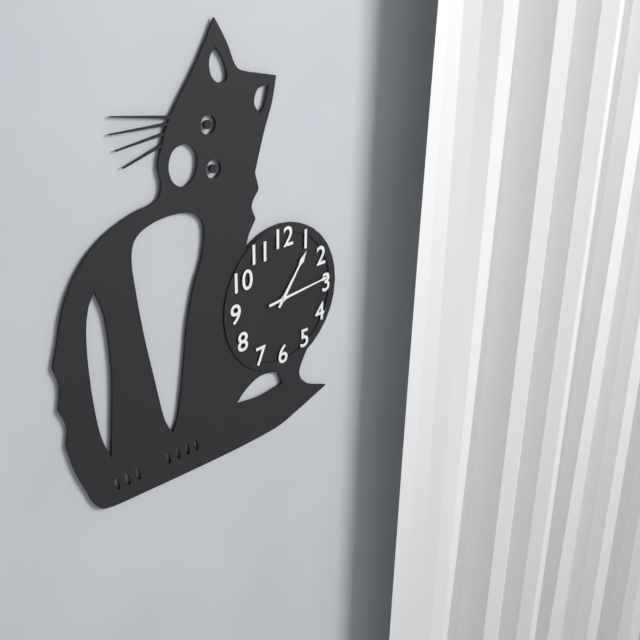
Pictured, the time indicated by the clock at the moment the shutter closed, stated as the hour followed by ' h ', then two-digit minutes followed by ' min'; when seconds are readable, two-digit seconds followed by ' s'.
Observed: 1 h 14 min
